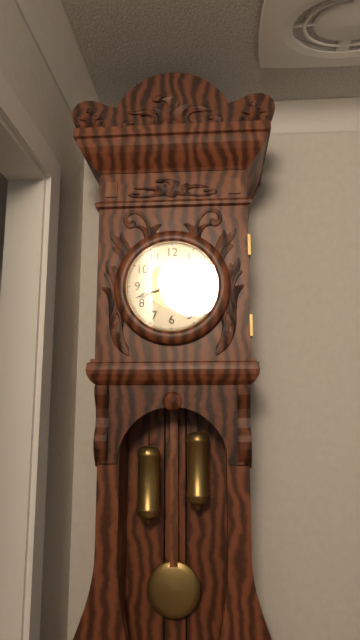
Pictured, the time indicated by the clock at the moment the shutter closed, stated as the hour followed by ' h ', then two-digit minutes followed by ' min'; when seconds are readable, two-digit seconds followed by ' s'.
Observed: 5 h 42 min
